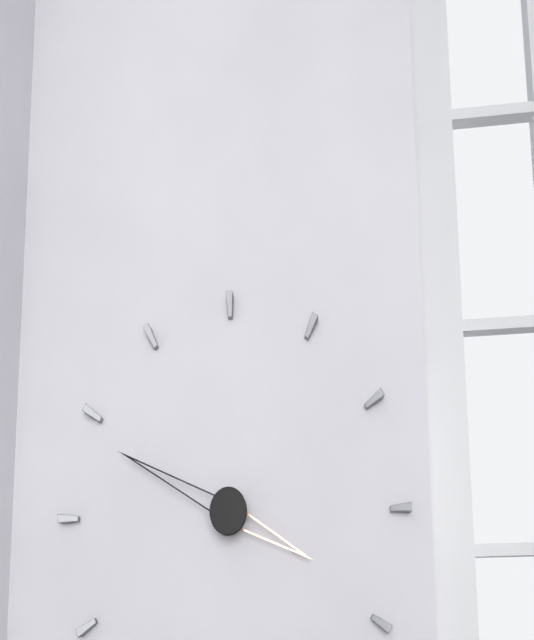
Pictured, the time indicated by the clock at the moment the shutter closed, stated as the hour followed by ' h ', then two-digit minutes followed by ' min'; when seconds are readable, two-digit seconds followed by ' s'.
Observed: 3 h 49 min
